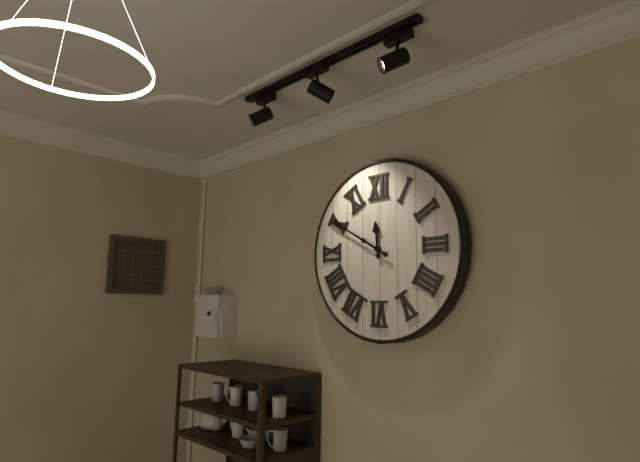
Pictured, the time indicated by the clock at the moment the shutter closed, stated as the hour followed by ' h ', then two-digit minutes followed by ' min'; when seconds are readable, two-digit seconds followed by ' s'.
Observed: 11 h 50 min
